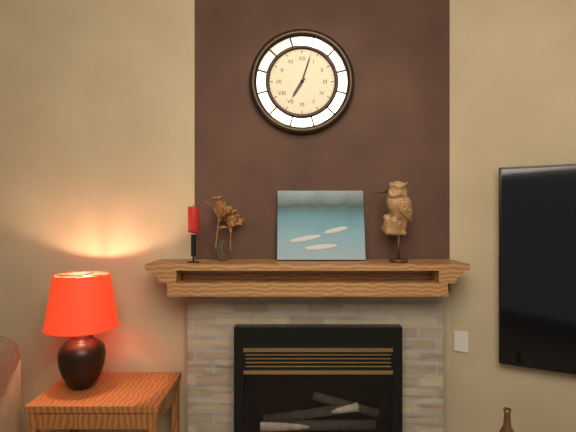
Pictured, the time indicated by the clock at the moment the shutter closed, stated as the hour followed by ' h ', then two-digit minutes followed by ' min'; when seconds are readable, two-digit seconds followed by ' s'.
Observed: 7 h 03 min
